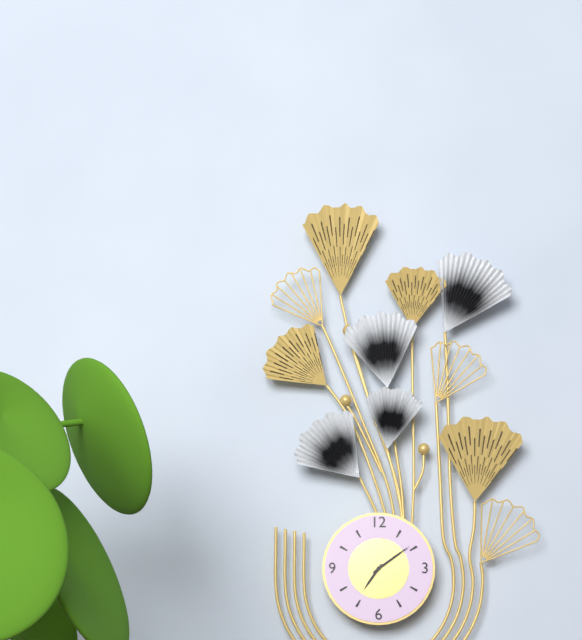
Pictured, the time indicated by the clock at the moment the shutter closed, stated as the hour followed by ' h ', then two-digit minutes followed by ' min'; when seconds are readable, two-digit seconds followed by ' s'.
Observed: 7 h 09 min
